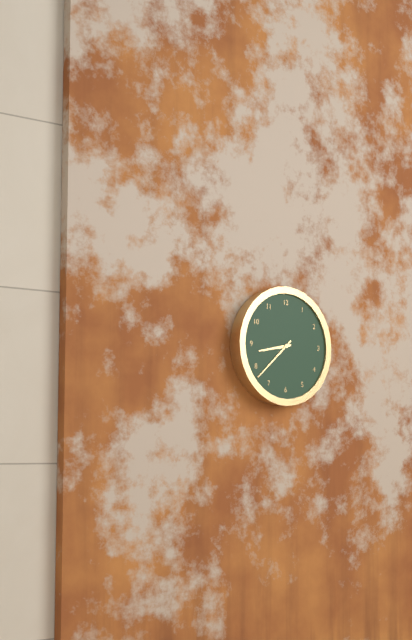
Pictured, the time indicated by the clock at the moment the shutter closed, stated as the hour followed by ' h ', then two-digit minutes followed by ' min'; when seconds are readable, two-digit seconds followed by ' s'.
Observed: 8 h 38 min
